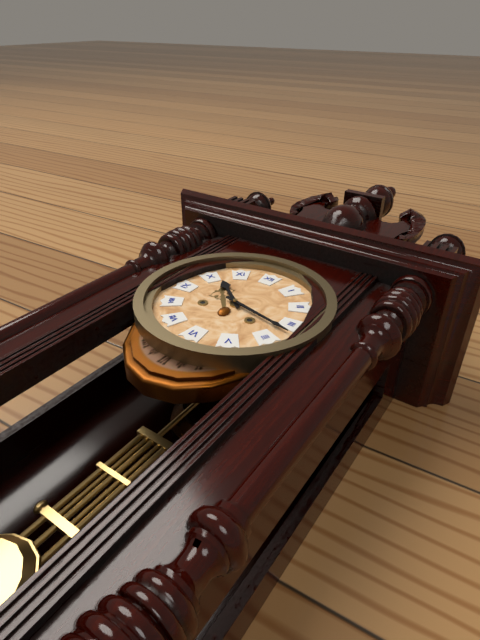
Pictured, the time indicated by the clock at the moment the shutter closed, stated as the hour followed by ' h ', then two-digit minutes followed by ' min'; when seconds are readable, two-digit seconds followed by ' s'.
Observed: 10 h 17 min
